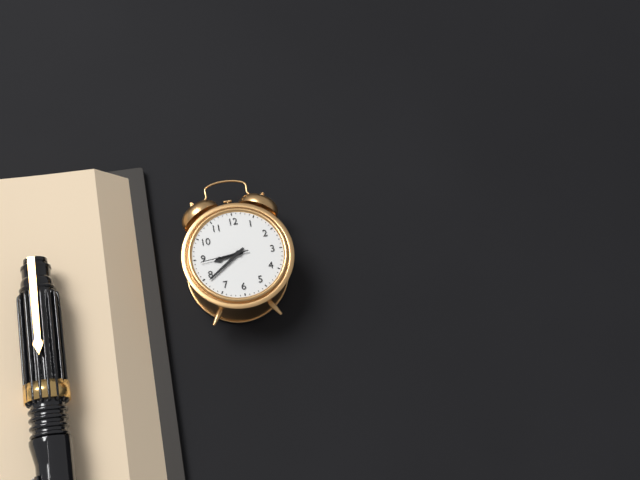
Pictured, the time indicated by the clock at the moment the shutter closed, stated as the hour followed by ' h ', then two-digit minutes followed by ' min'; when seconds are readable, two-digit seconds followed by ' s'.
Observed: 8 h 39 min
